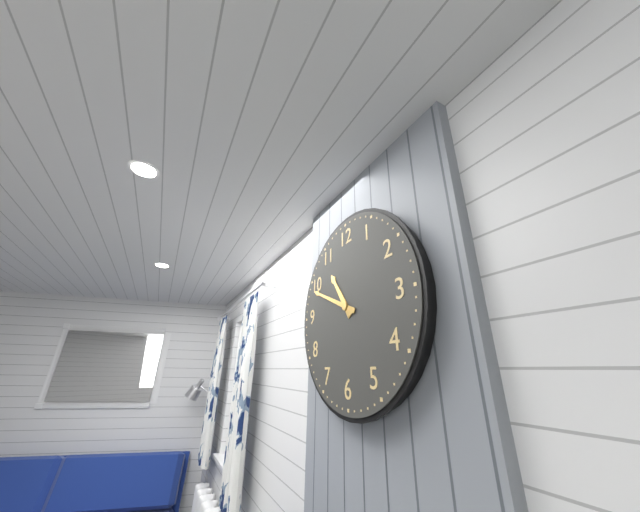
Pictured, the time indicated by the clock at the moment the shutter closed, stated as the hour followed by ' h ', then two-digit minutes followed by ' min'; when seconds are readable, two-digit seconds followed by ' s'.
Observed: 10 h 49 min
